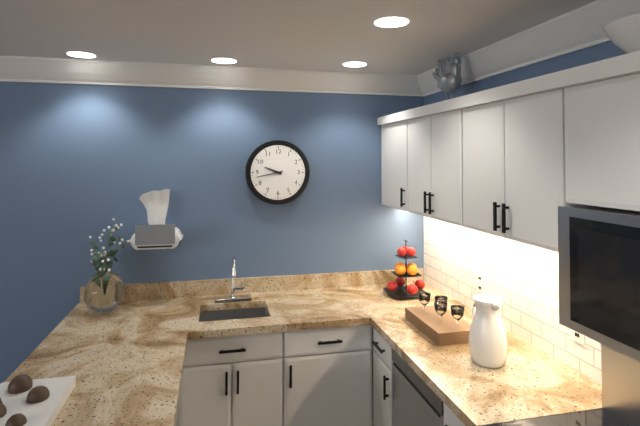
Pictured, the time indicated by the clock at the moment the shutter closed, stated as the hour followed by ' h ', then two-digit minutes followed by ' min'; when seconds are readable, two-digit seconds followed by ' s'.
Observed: 9 h 43 min
